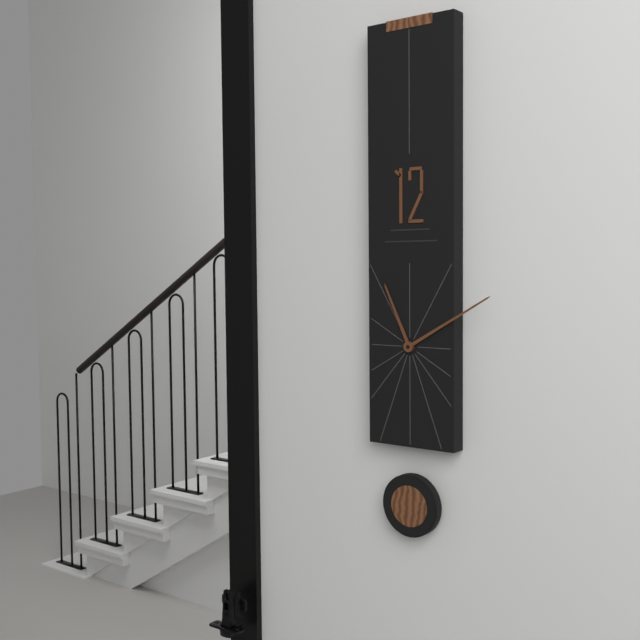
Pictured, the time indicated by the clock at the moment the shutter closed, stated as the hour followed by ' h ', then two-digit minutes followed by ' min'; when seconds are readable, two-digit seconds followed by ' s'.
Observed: 11 h 10 min
